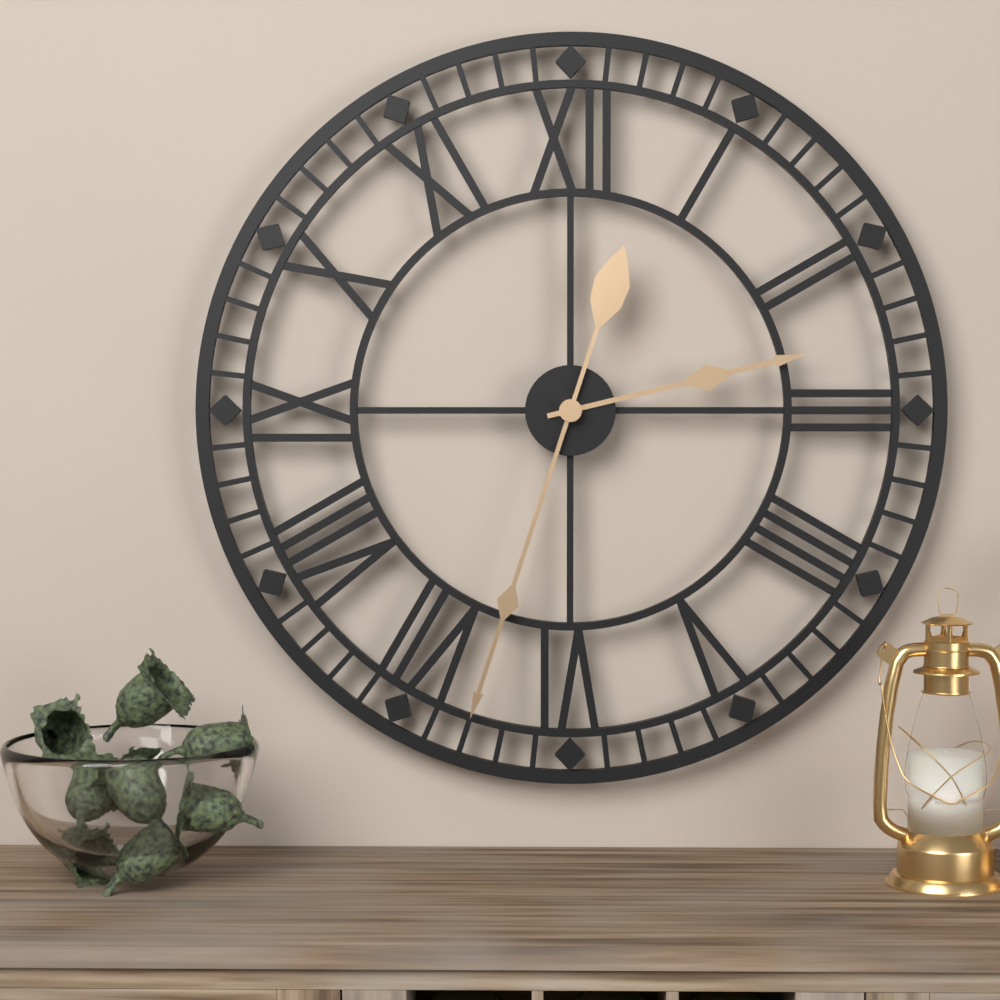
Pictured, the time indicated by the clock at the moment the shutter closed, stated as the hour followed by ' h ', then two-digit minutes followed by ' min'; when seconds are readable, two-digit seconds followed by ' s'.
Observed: 2 h 33 min
